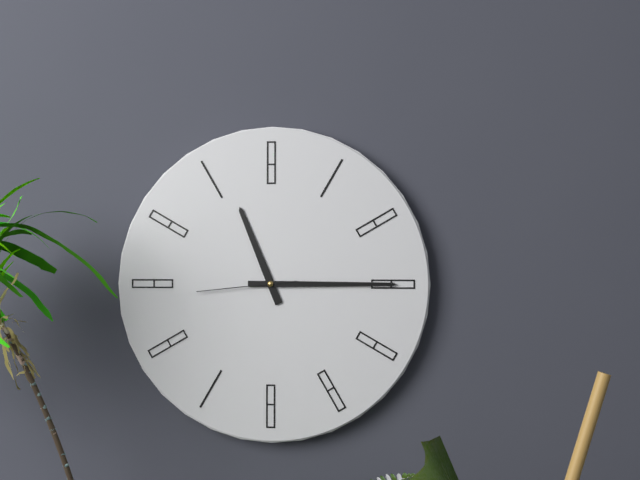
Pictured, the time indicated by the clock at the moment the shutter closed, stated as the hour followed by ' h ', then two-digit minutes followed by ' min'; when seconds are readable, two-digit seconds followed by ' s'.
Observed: 11 h 15 min 44 s
